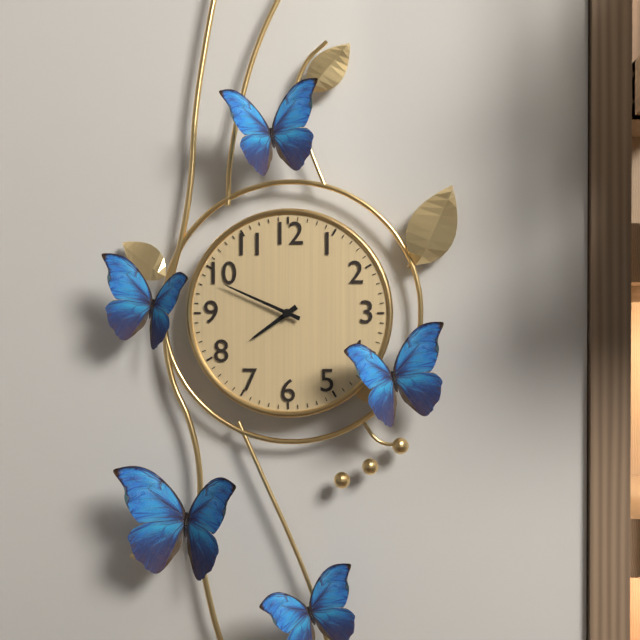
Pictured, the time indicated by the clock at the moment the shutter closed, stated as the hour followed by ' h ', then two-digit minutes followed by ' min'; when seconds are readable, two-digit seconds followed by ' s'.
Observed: 7 h 49 min
